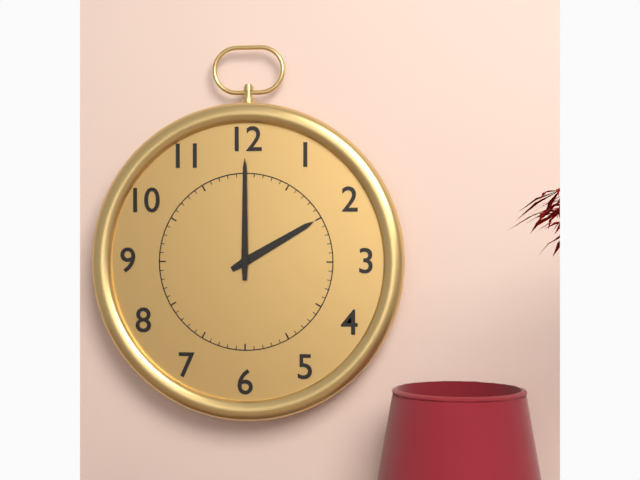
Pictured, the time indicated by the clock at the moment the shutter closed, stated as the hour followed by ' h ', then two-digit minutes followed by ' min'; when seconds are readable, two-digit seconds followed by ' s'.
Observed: 2 h 00 min
